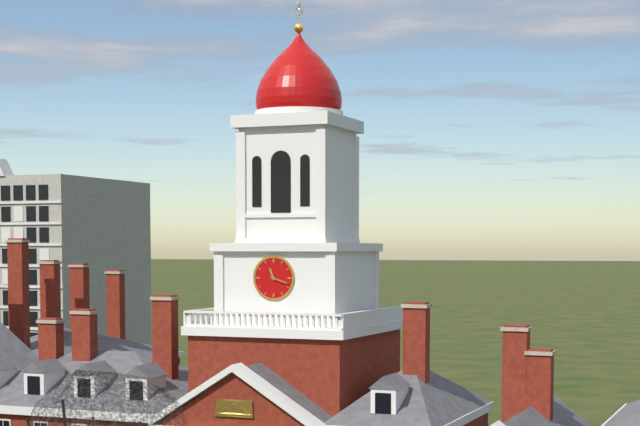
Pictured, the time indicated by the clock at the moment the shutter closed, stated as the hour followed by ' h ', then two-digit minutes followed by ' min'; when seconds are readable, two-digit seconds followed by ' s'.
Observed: 11 h 18 min
